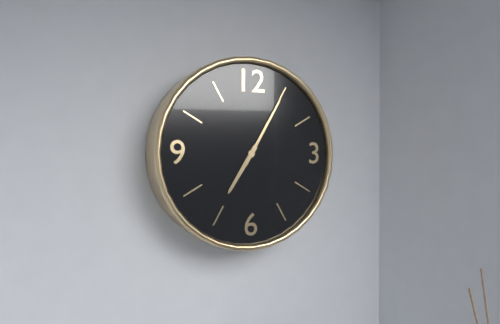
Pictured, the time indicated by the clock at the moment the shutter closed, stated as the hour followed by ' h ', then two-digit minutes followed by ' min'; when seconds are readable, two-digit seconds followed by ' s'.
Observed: 7 h 05 min
